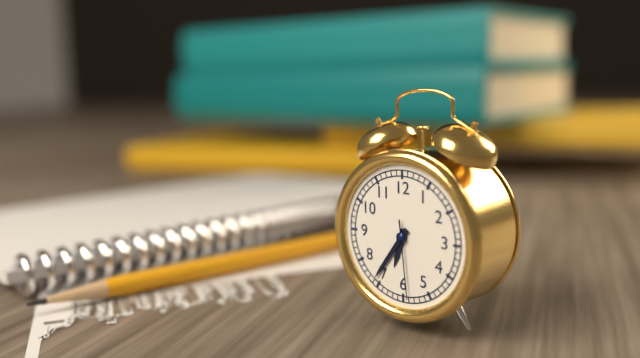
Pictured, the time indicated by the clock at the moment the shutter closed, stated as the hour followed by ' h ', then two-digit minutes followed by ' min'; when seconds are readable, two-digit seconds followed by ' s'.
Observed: 6 h 36 min 29 s
